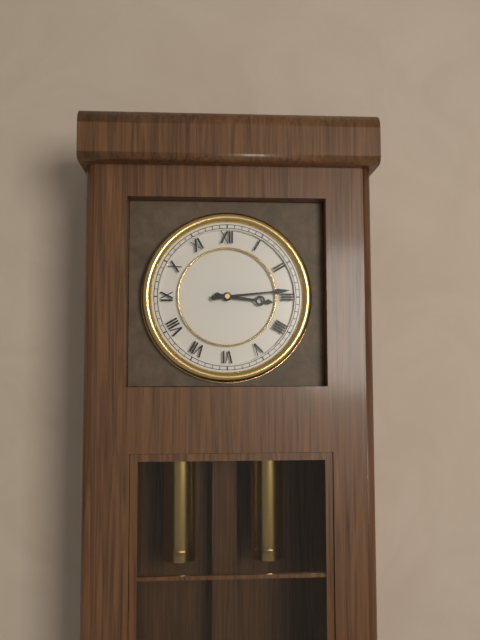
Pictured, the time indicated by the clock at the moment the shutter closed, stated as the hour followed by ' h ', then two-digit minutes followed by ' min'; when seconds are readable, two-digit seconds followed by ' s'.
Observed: 3 h 14 min
